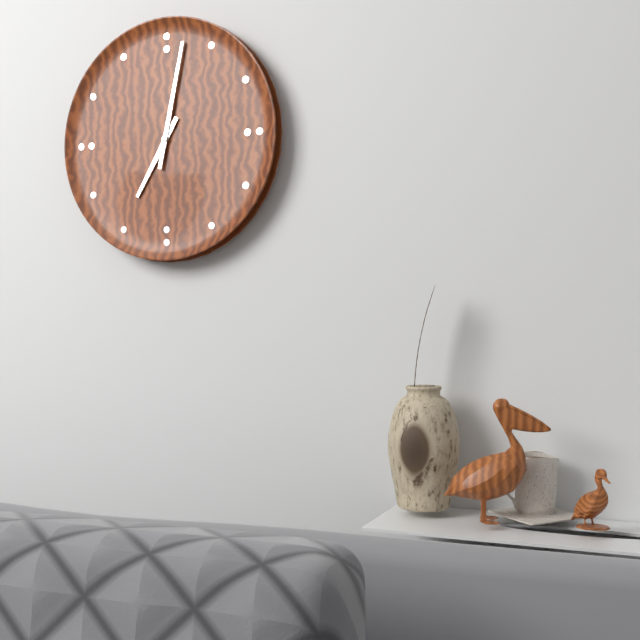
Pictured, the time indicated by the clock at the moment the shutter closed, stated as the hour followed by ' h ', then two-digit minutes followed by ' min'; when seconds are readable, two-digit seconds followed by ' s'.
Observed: 7 h 02 min
